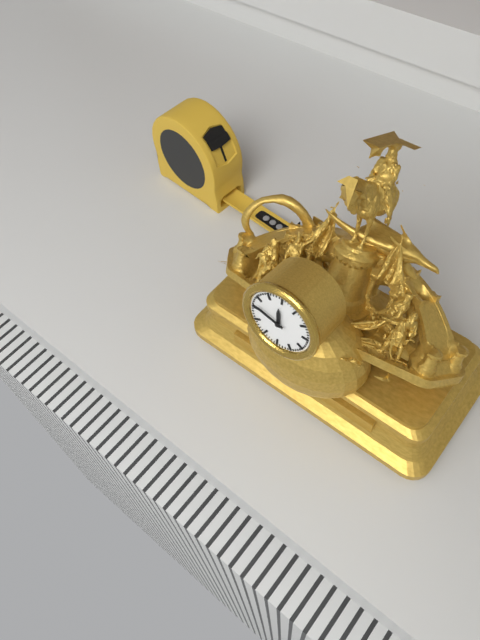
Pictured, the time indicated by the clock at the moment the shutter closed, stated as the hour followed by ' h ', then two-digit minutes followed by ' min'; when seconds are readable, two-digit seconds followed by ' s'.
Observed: 11 h 47 min
